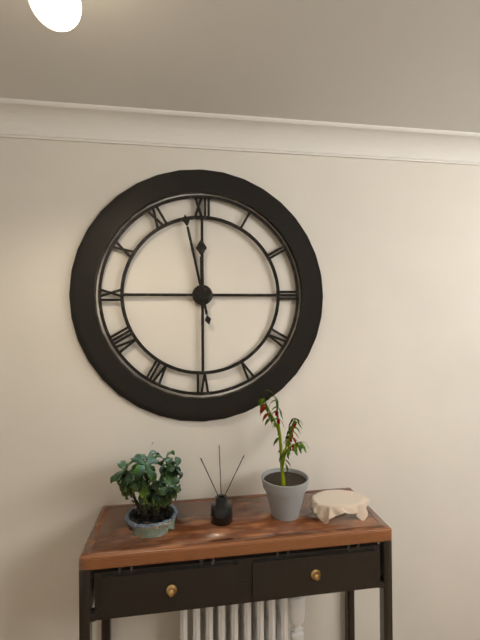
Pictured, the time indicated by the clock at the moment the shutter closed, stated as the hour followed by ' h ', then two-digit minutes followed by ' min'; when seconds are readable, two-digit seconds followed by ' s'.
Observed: 11 h 58 min
